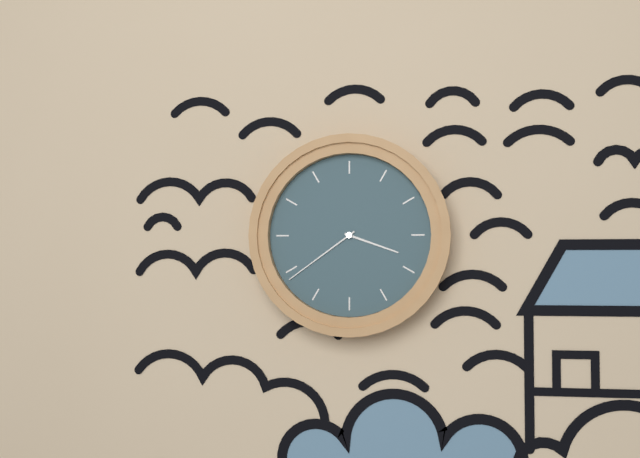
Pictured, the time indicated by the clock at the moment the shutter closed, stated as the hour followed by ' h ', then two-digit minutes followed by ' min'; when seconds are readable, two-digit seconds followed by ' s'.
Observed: 3 h 39 min
